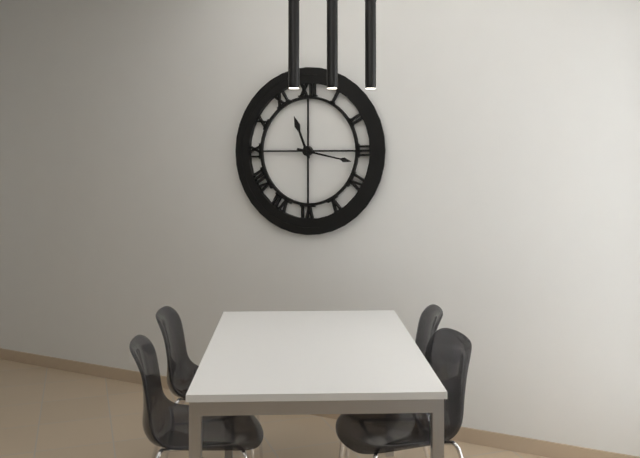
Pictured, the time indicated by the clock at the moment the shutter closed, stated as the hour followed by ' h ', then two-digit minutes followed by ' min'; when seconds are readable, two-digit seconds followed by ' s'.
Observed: 11 h 17 min
